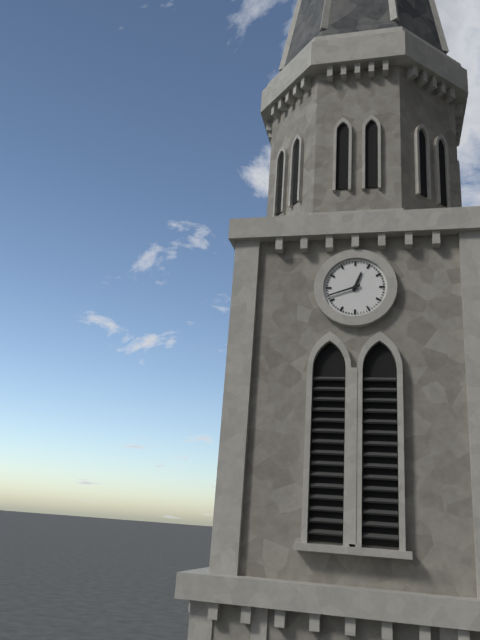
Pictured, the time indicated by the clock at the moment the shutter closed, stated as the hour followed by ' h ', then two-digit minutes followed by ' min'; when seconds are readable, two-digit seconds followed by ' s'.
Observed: 12 h 42 min
